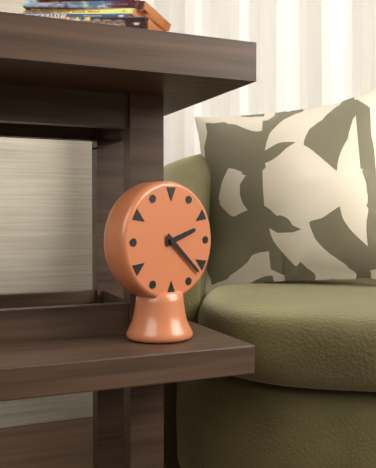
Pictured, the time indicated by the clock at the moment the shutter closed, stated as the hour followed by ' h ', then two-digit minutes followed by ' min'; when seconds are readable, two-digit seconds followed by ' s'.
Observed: 2 h 22 min
